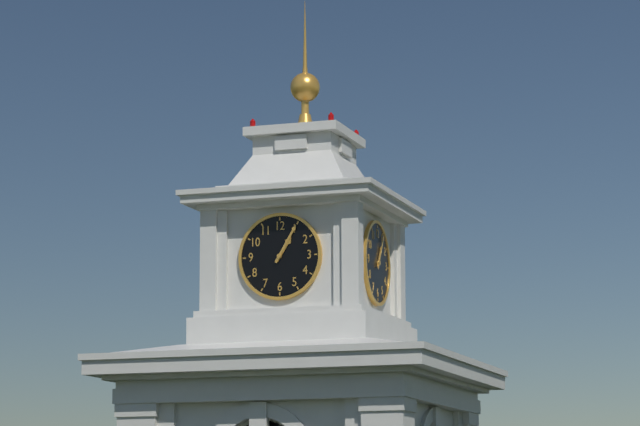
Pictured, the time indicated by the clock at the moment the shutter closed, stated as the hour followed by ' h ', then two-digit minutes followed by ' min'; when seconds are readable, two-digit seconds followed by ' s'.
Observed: 1 h 05 min
